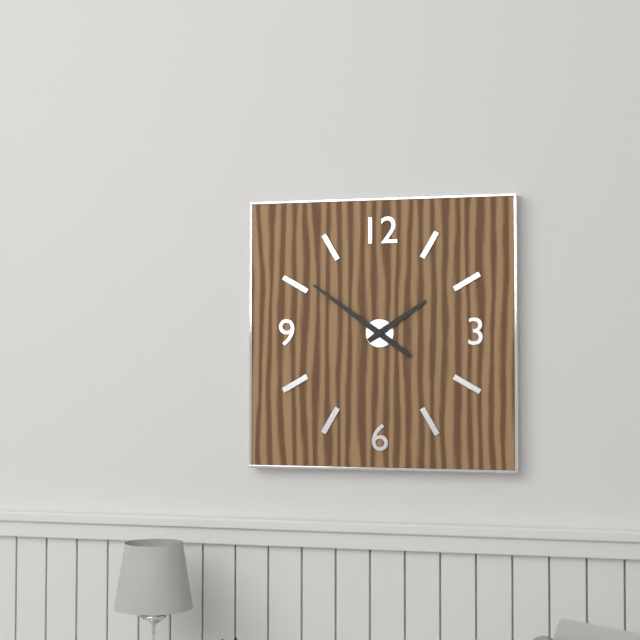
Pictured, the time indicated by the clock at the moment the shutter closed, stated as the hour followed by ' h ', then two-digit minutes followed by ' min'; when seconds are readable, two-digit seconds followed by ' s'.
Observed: 1 h 51 min
